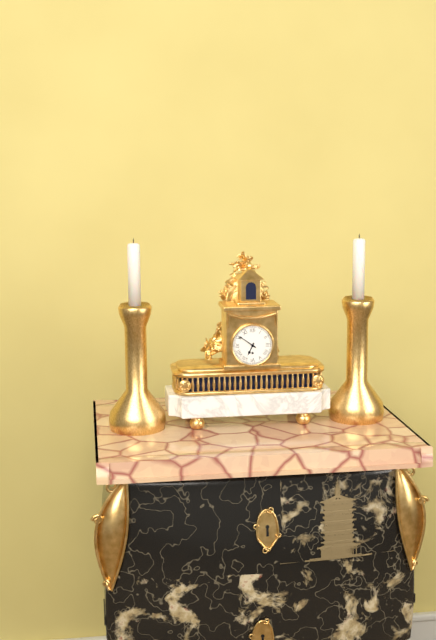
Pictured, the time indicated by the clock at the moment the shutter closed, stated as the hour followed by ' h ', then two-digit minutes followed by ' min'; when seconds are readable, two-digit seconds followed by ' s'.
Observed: 6 h 51 min
